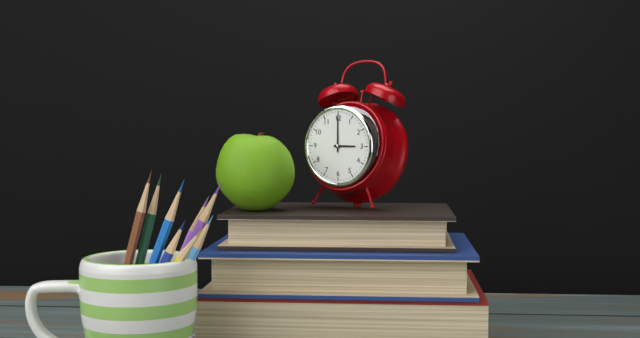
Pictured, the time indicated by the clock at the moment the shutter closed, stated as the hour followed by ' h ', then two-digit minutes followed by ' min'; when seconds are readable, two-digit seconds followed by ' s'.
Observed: 3 h 00 min
